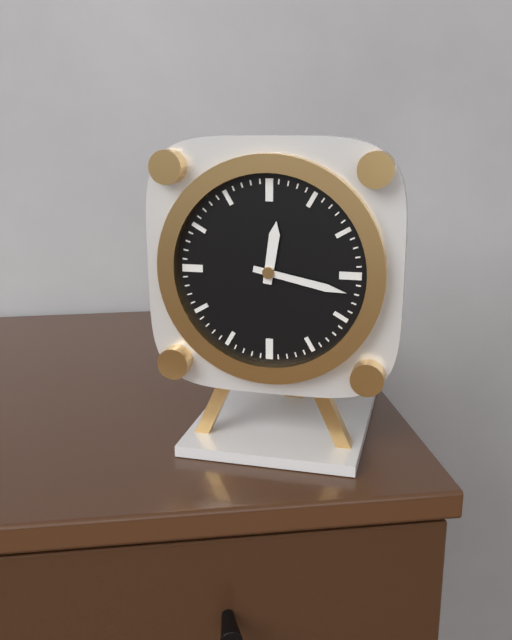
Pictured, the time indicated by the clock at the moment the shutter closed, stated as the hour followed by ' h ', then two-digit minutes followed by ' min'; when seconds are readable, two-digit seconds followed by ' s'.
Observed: 12 h 17 min
